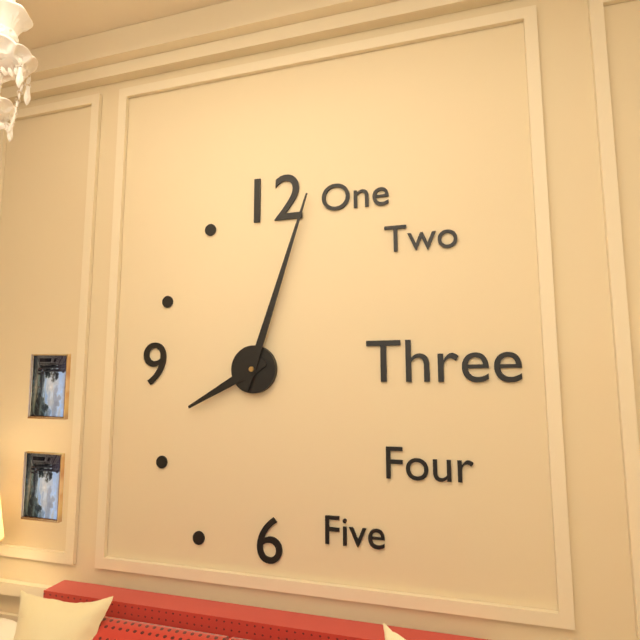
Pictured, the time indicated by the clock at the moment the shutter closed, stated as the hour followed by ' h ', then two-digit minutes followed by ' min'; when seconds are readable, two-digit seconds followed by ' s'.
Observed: 8 h 03 min
